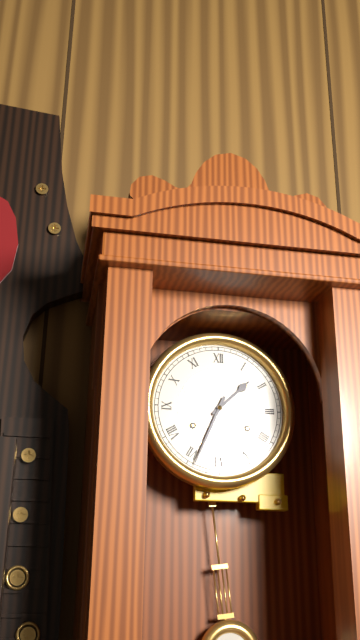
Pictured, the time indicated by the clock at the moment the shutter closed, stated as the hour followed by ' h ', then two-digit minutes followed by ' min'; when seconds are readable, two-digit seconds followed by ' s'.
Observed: 1 h 34 min
